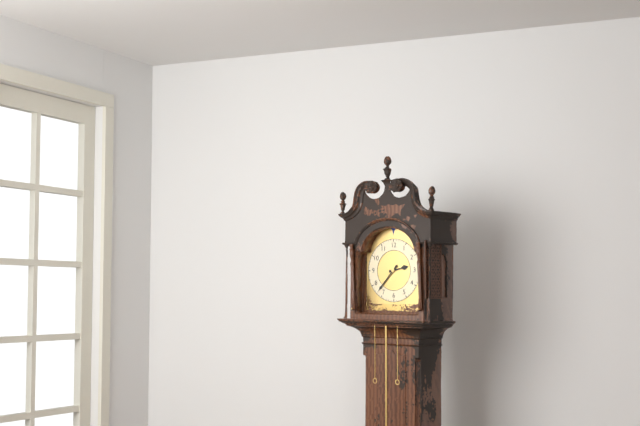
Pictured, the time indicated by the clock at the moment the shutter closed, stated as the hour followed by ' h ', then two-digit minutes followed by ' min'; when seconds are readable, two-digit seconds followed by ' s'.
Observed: 2 h 37 min
